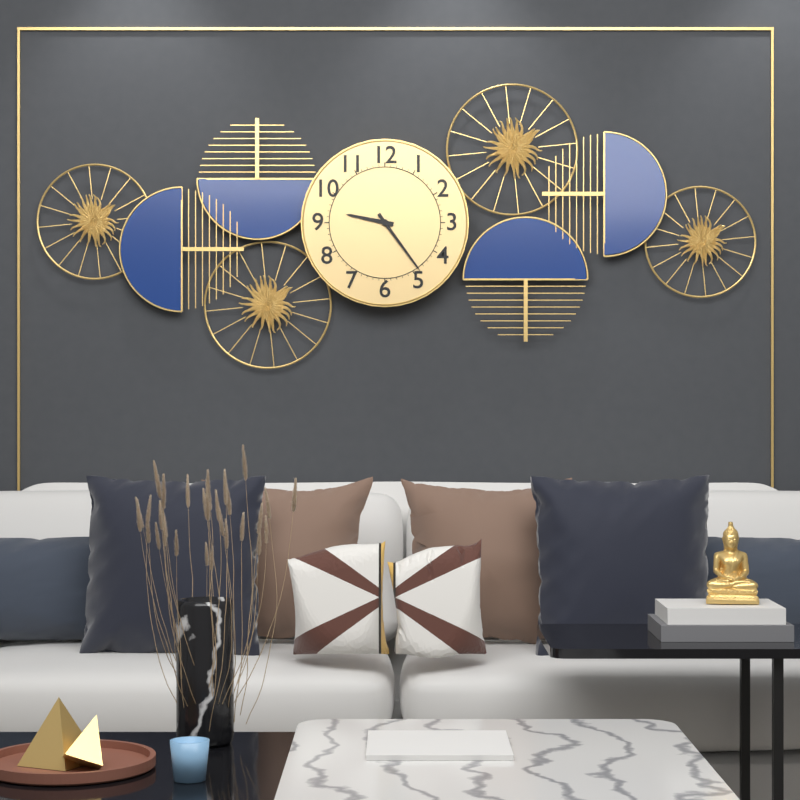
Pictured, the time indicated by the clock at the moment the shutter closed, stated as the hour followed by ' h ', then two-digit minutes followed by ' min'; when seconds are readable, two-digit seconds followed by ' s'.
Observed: 9 h 24 min
